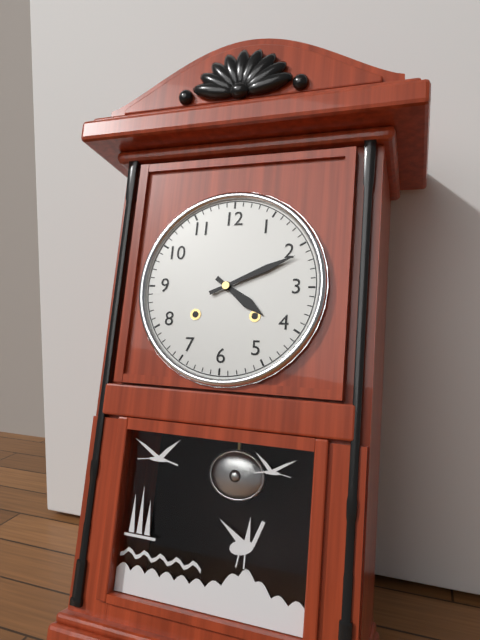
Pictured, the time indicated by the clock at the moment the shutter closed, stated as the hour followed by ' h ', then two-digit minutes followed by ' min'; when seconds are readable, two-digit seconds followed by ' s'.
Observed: 4 h 11 min
